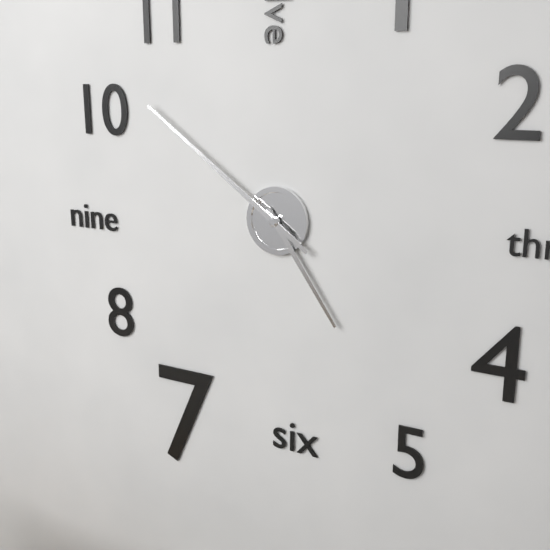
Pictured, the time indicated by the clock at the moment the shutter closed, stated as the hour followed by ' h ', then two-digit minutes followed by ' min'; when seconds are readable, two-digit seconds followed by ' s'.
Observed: 4 h 51 min
